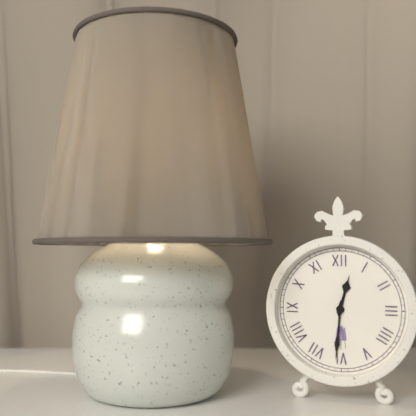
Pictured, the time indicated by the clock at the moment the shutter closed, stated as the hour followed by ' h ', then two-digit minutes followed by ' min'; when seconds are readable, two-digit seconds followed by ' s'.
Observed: 12 h 31 min
